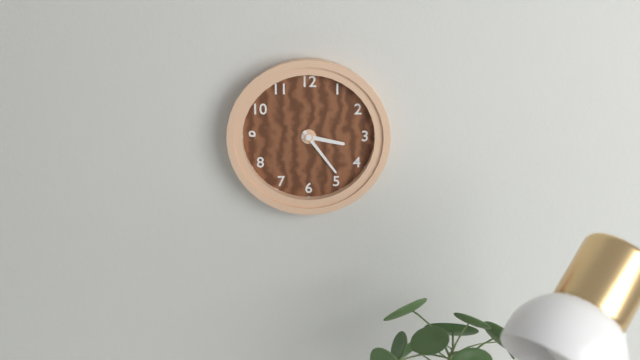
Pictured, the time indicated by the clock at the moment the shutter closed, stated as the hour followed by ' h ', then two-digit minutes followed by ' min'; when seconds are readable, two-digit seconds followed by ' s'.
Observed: 3 h 24 min
